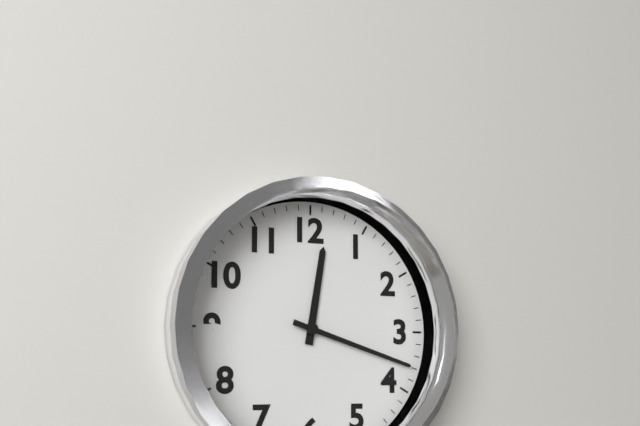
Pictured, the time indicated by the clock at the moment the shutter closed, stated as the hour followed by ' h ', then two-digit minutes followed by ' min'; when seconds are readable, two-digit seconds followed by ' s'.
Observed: 12 h 18 min
